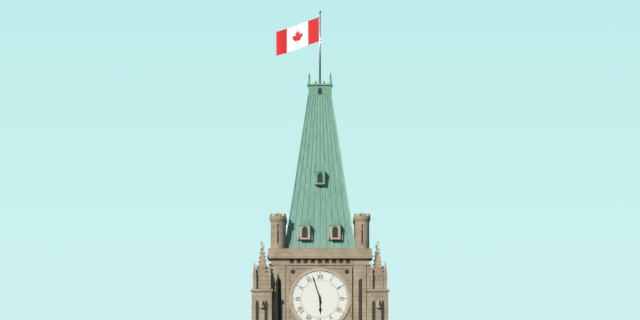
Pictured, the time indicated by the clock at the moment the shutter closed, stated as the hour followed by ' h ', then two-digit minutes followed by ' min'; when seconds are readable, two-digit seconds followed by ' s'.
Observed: 5 h 57 min
